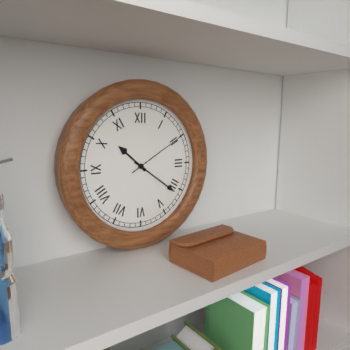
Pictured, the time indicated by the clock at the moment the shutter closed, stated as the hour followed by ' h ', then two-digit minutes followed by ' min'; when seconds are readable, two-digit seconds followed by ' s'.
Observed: 10 h 21 min 10 s
